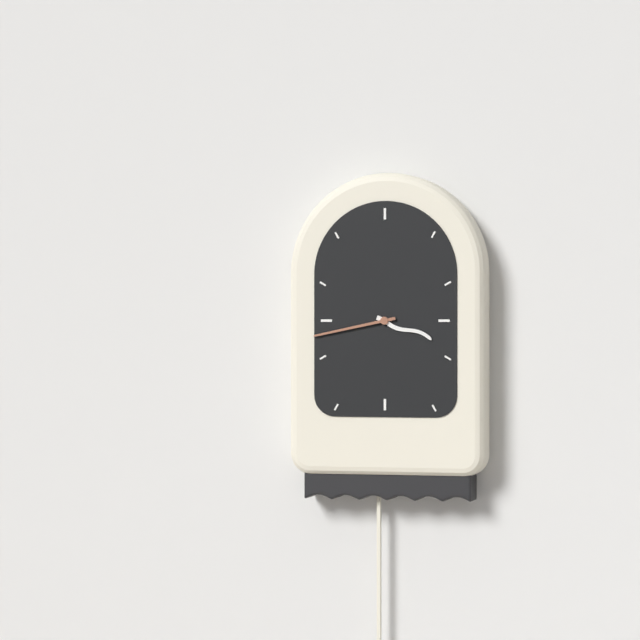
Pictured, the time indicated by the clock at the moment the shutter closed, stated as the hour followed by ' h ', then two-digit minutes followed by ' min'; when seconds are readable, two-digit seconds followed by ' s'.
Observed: 3 h 43 min
